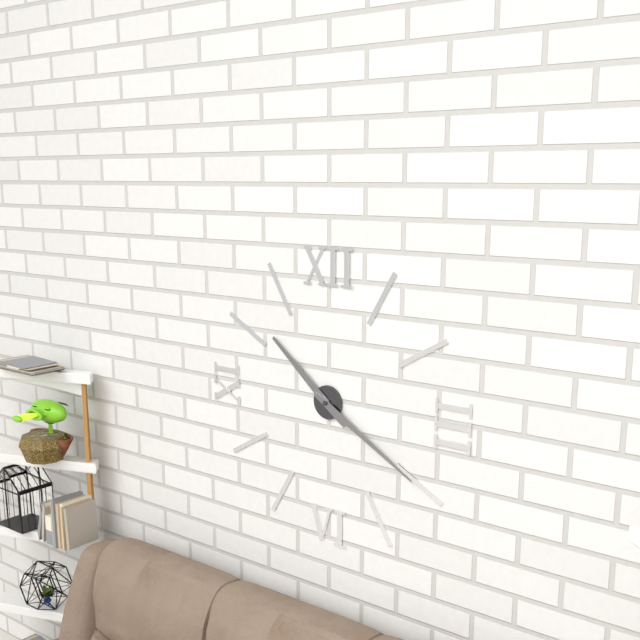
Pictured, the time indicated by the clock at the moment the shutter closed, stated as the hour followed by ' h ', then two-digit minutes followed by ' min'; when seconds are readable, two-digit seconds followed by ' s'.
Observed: 10 h 20 min
